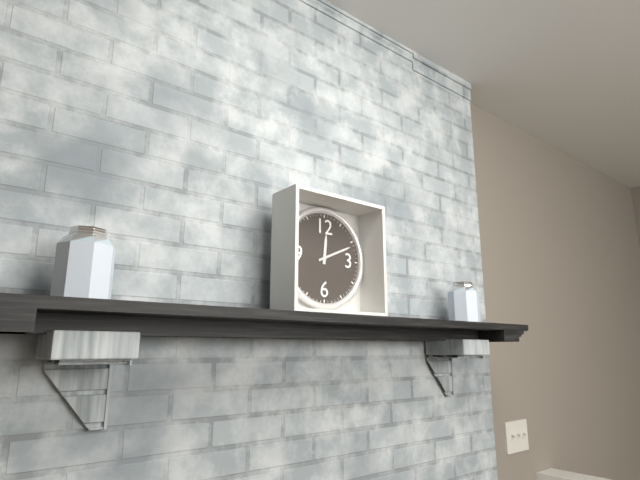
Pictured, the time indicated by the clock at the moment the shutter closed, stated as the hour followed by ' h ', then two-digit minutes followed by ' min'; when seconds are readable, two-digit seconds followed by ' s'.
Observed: 12 h 11 min
